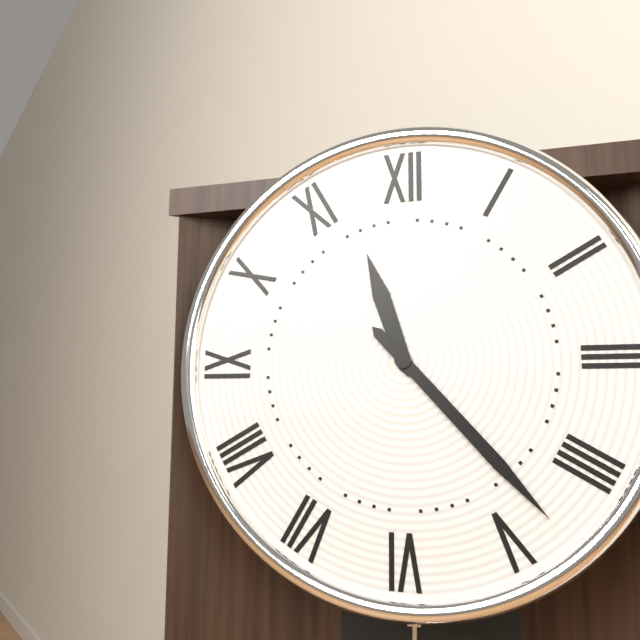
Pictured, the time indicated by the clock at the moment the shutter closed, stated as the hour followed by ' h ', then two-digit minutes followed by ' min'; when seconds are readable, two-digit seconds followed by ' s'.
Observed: 11 h 23 min
